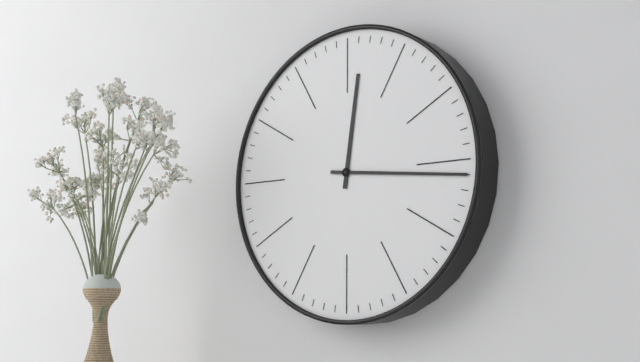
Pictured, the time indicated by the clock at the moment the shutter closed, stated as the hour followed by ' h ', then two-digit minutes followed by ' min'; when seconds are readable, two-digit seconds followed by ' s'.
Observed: 12 h 16 min
